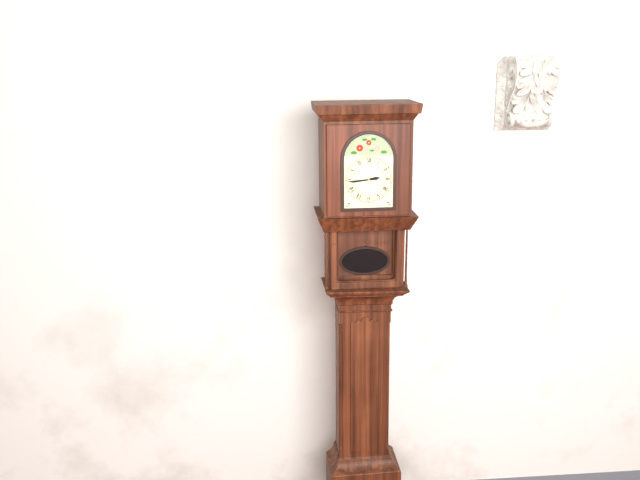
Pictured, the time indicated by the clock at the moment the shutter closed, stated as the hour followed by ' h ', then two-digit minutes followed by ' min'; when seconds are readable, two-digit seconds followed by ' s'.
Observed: 2 h 44 min
